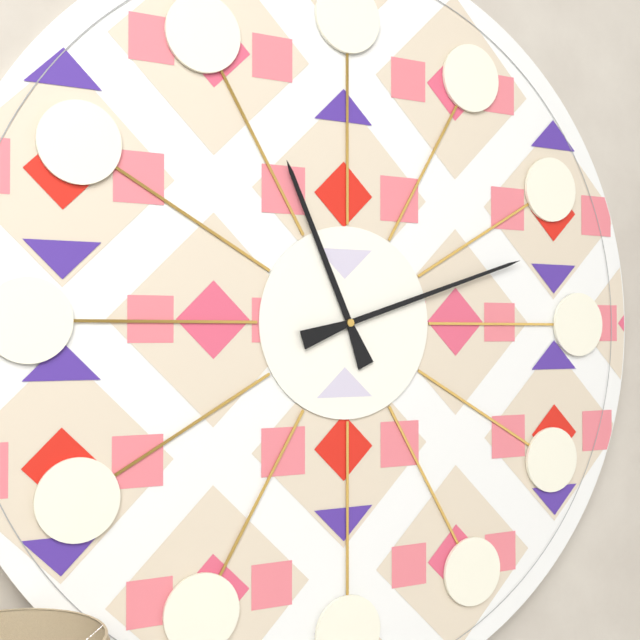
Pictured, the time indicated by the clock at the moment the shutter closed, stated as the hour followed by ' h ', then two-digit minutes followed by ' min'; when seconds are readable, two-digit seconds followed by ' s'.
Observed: 11 h 12 min
